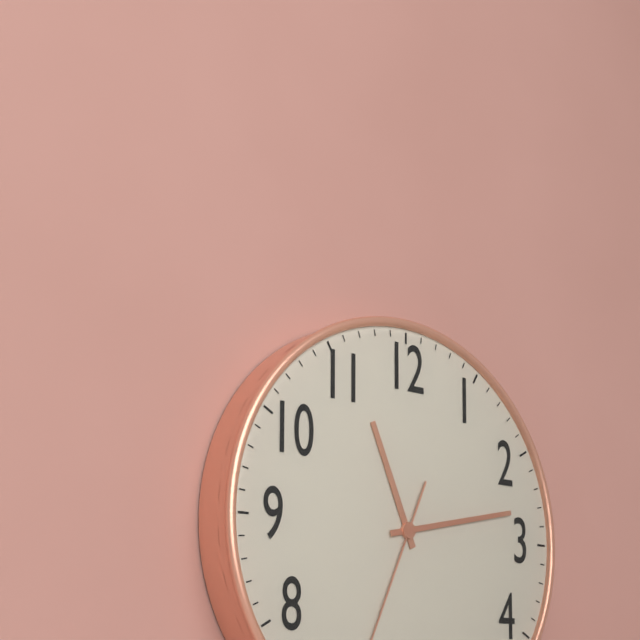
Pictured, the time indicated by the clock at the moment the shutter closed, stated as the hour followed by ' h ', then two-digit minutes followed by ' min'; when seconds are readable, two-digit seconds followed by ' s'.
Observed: 11 h 13 min
